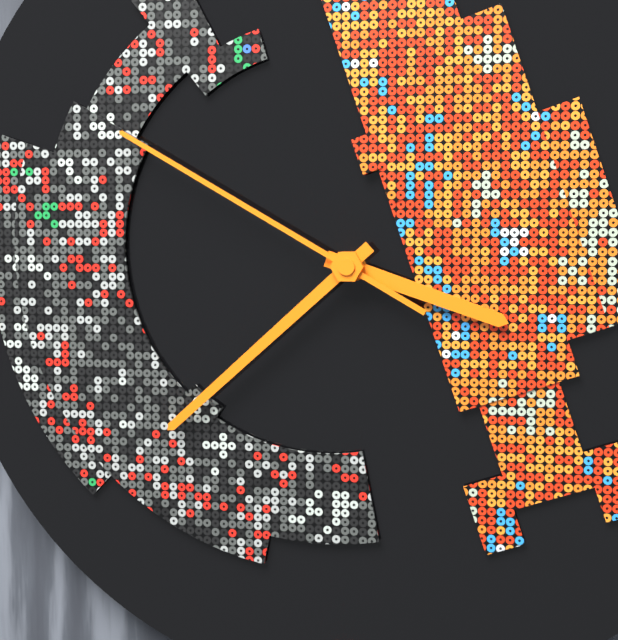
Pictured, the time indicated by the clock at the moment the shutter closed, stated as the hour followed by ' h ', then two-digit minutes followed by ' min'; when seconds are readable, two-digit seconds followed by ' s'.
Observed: 3 h 38 min 50 s
